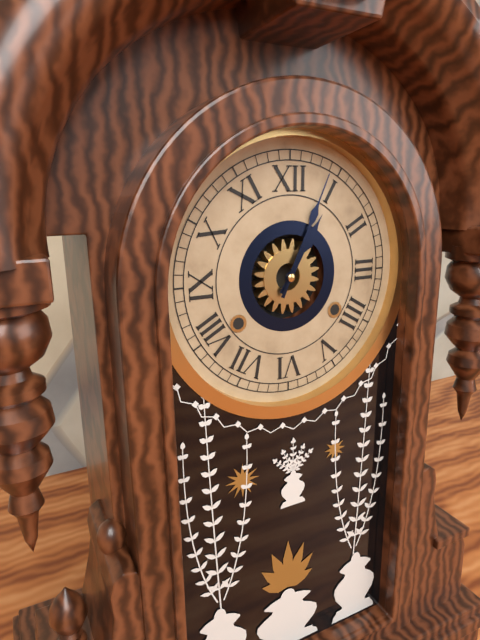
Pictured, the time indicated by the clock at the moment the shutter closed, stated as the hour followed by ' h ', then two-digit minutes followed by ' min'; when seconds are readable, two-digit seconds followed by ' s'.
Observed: 1 h 04 min
